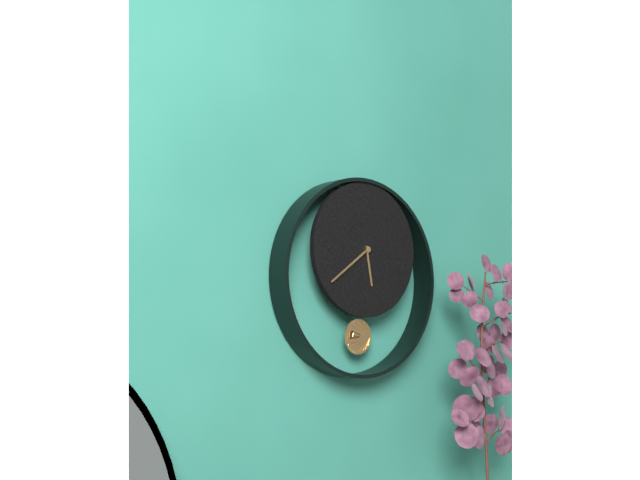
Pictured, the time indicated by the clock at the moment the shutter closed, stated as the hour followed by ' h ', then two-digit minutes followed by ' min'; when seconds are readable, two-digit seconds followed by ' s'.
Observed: 5 h 39 min
